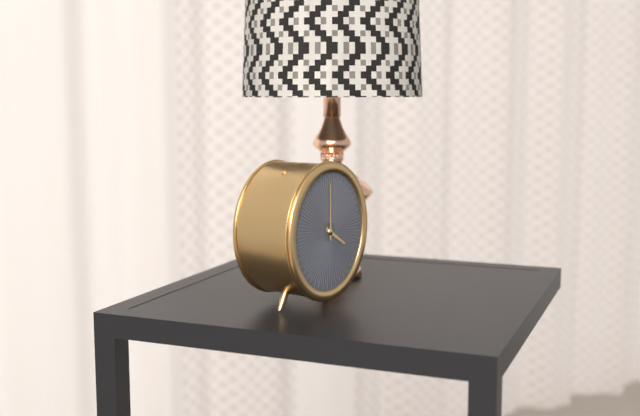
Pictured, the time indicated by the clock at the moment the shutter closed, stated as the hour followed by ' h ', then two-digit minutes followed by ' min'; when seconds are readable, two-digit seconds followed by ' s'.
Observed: 4 h 00 min
